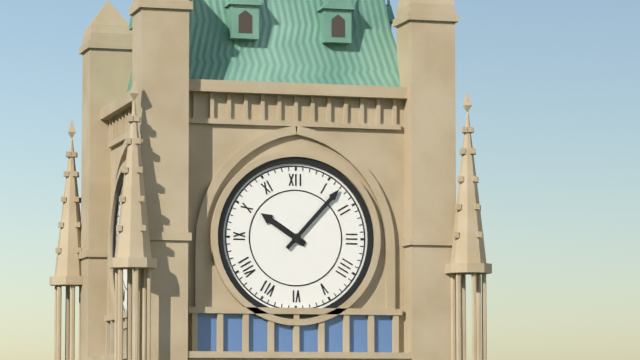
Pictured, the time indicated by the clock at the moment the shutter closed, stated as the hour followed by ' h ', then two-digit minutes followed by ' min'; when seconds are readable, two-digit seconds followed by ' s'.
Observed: 10 h 07 min
